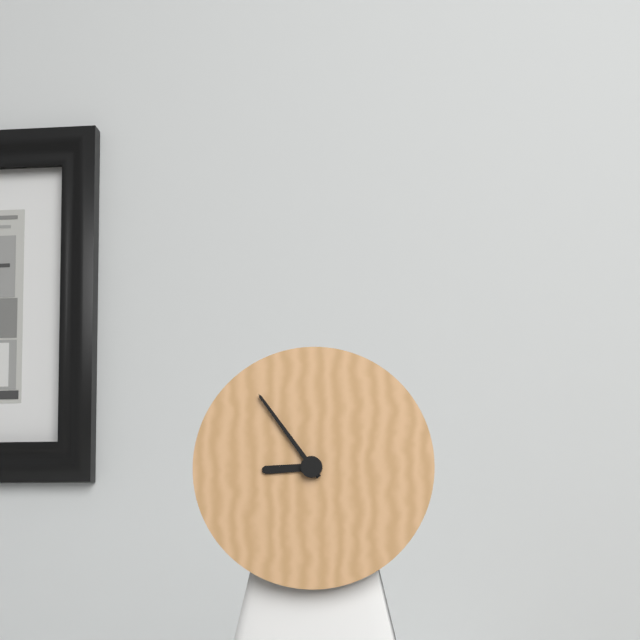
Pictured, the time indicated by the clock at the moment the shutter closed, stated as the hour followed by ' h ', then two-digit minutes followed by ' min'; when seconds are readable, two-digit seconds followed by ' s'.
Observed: 8 h 54 min
